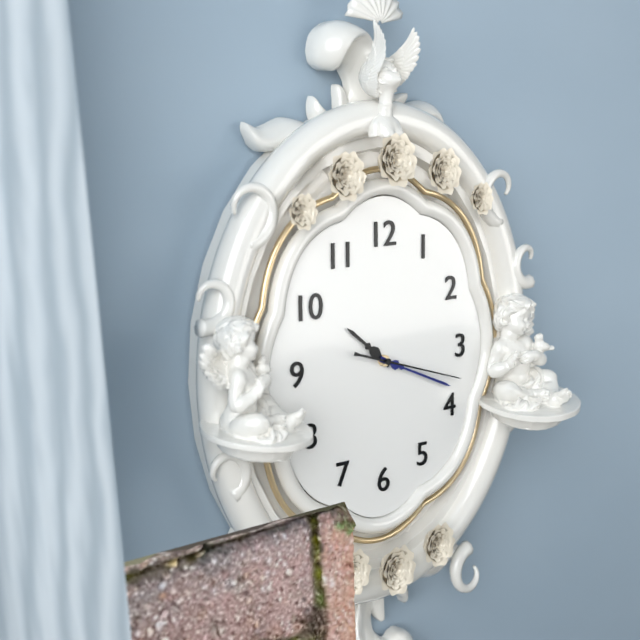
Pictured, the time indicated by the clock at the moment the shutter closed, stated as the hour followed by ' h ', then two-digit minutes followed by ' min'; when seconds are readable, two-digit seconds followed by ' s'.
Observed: 10 h 19 min 18 s
